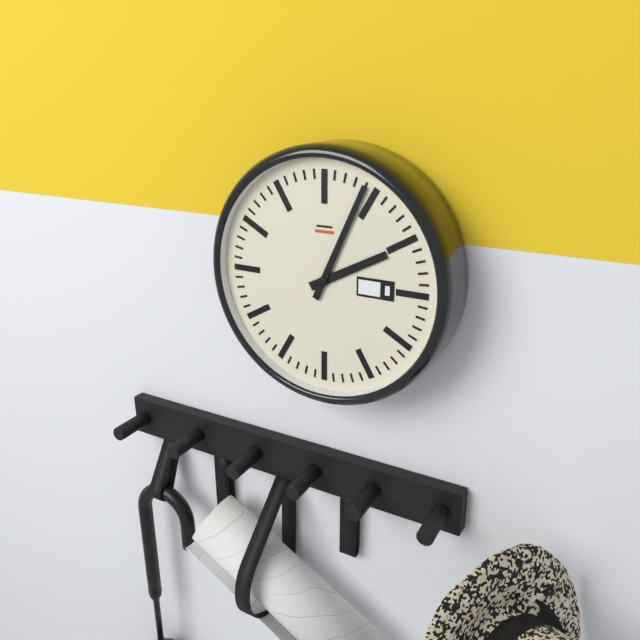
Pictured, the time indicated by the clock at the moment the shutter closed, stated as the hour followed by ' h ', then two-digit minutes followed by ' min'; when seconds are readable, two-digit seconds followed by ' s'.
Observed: 2 h 04 min
